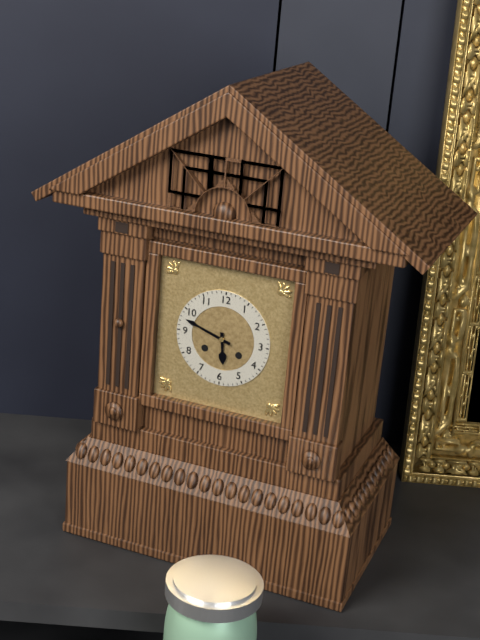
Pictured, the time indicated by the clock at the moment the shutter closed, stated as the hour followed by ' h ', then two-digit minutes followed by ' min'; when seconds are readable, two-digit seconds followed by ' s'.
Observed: 5 h 48 min
